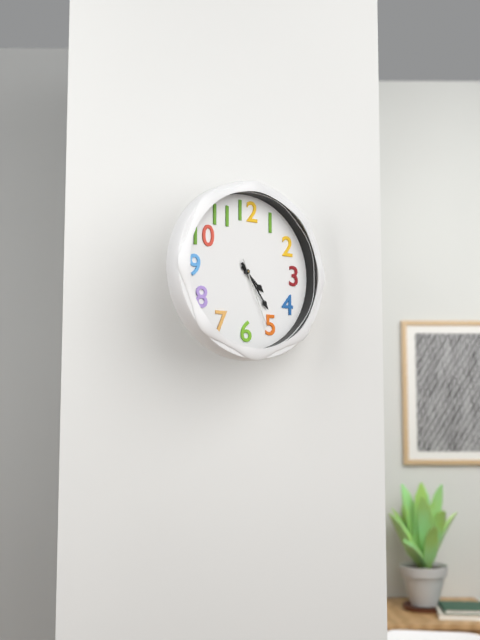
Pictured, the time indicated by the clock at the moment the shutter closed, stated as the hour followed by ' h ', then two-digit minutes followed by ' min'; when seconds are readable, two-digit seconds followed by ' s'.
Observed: 4 h 24 min 26 s
